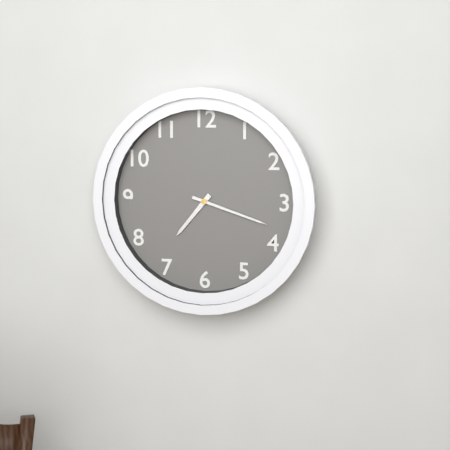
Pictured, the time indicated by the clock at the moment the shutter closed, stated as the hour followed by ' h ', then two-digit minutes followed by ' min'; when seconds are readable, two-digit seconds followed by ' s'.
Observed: 7 h 18 min
